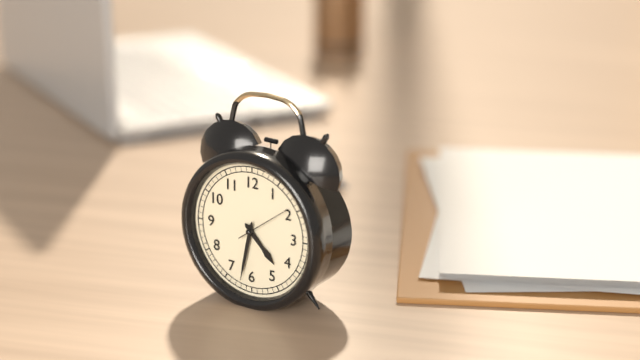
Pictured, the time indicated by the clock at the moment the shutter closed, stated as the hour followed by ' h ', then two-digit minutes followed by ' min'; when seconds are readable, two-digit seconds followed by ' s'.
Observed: 4 h 32 min 09 s
